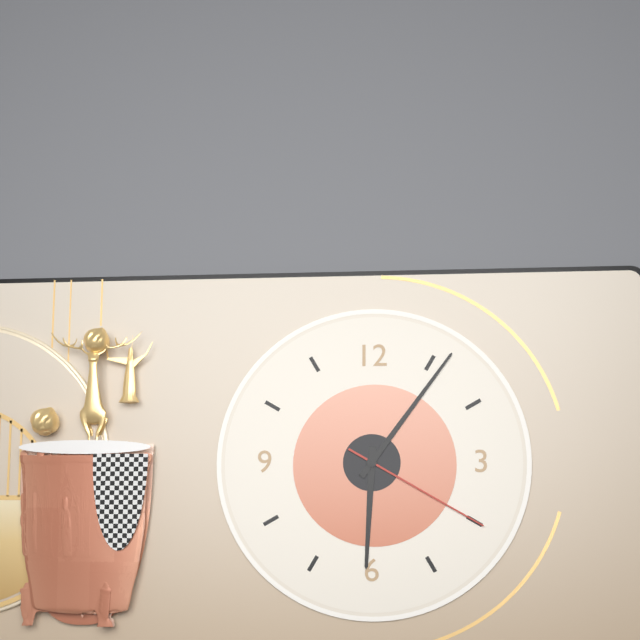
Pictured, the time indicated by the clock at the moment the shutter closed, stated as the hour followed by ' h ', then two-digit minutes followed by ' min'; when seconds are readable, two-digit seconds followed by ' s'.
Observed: 6 h 06 min 20 s
